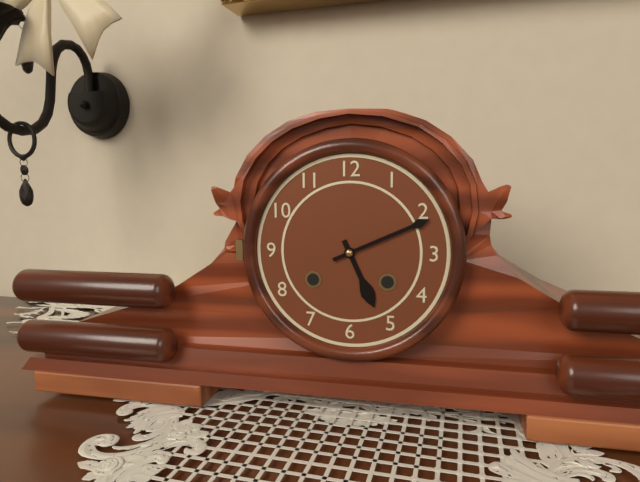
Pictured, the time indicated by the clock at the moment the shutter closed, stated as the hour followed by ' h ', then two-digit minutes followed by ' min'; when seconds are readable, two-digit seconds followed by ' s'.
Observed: 5 h 11 min
